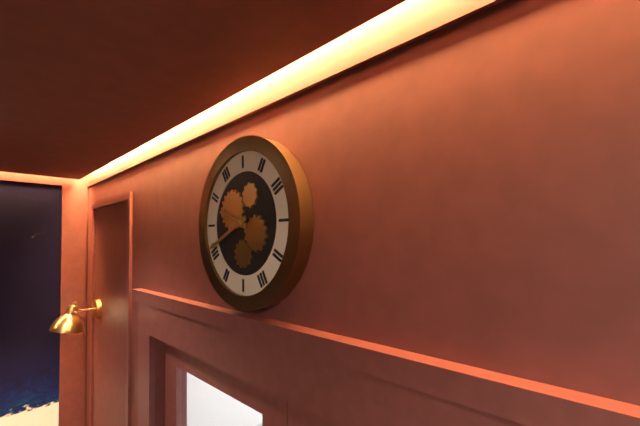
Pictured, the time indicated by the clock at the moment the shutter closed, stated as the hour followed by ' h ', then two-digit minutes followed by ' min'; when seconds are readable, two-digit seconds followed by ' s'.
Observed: 9 h 41 min
